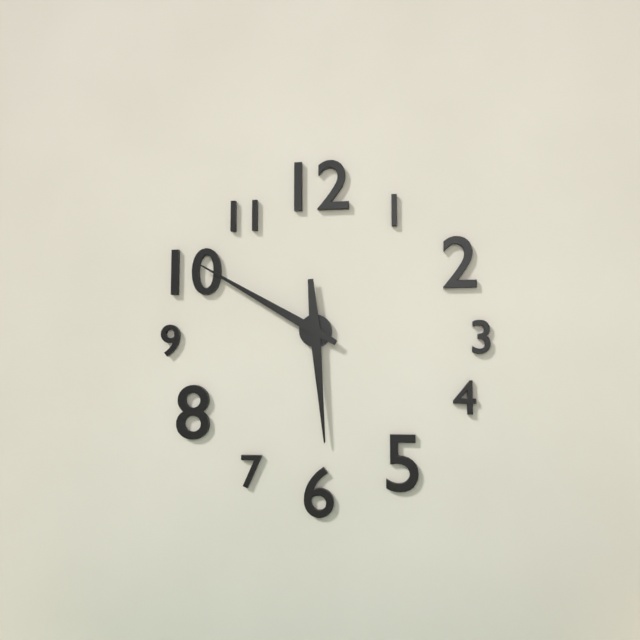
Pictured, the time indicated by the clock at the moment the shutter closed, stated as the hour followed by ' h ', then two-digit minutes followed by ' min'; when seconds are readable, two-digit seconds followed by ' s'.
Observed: 5 h 50 min
